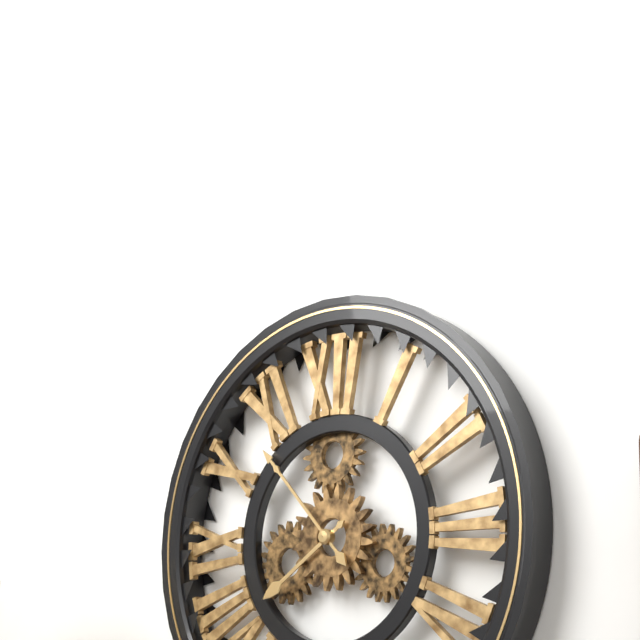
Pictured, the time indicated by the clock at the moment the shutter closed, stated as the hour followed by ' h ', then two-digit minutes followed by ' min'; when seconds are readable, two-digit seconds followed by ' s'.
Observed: 7 h 53 min
